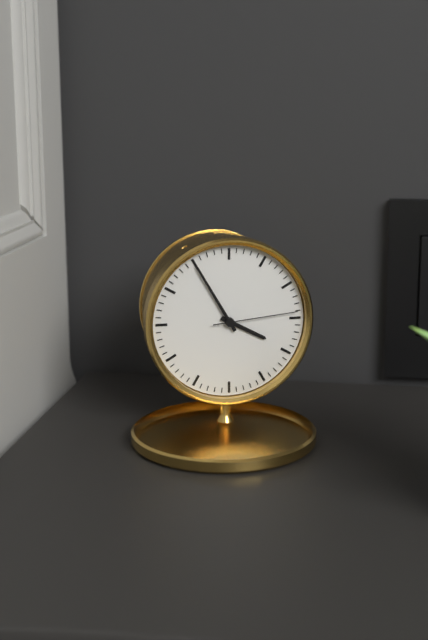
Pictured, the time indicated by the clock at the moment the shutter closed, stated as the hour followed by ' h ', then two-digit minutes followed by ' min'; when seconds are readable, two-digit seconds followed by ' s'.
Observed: 3 h 55 min 14 s
